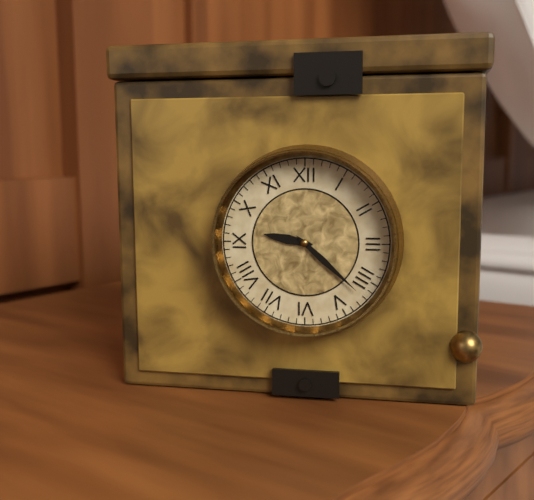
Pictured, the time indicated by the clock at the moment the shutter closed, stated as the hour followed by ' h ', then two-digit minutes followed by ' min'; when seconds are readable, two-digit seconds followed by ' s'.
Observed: 9 h 22 min
